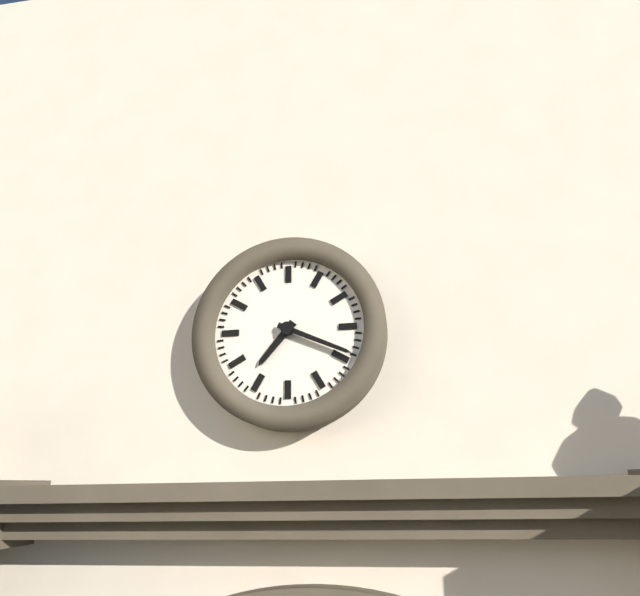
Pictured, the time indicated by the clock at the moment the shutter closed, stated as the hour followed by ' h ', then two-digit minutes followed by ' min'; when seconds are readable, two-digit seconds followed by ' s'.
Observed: 7 h 19 min
